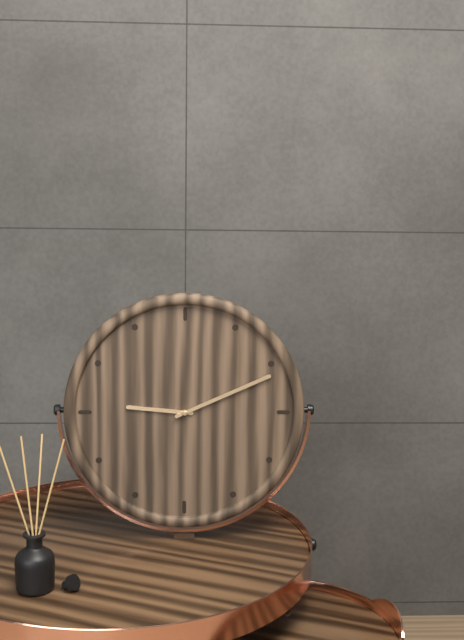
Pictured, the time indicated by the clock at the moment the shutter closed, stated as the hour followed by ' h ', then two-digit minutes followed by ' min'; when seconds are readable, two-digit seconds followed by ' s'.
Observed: 9 h 11 min
